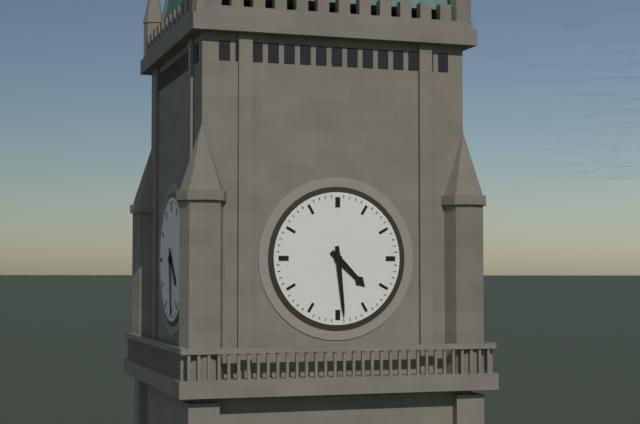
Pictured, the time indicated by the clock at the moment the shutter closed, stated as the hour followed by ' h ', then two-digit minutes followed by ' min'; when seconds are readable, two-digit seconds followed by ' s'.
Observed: 4 h 29 min
